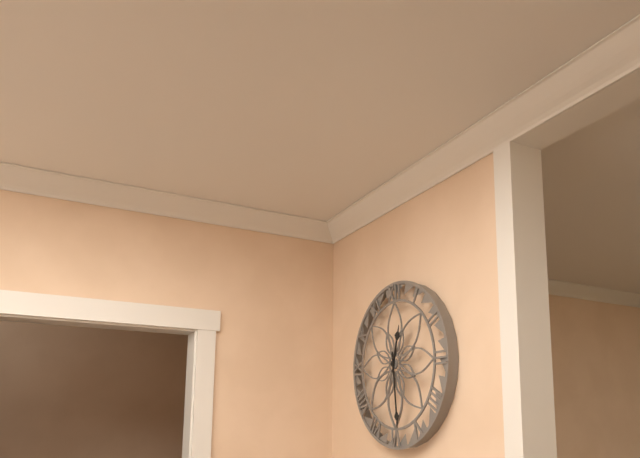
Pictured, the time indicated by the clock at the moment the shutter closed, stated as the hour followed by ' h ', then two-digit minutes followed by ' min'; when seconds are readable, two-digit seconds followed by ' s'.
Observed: 12 h 29 min
